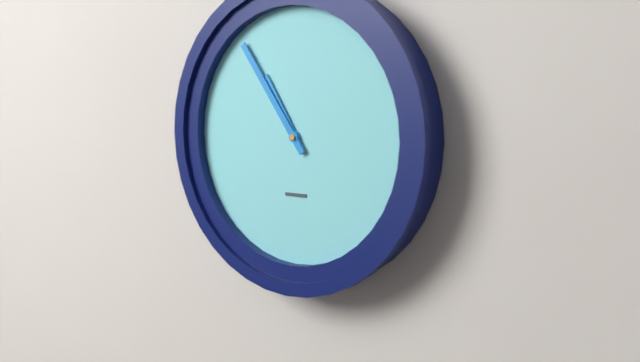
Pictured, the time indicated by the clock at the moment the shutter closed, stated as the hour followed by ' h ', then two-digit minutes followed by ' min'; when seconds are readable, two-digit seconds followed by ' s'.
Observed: 10 h 54 min
